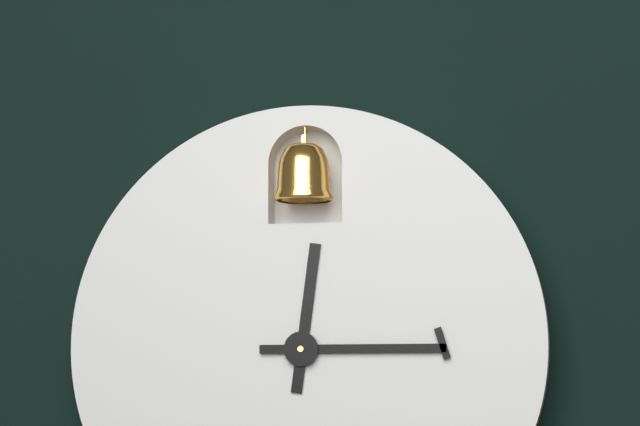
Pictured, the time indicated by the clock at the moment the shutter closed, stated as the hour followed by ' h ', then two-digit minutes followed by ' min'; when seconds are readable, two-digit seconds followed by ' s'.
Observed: 12 h 15 min
